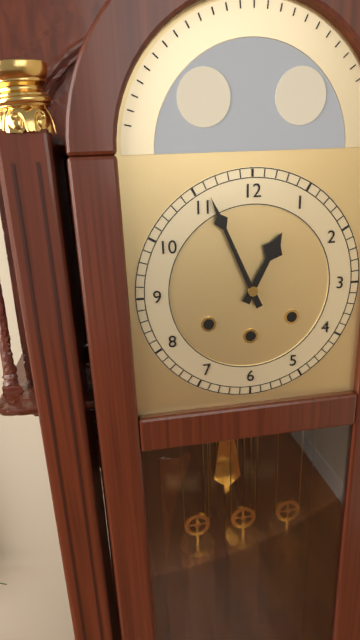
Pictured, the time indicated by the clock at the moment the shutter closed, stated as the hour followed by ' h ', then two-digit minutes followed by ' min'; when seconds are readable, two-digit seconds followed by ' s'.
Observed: 12 h 56 min
